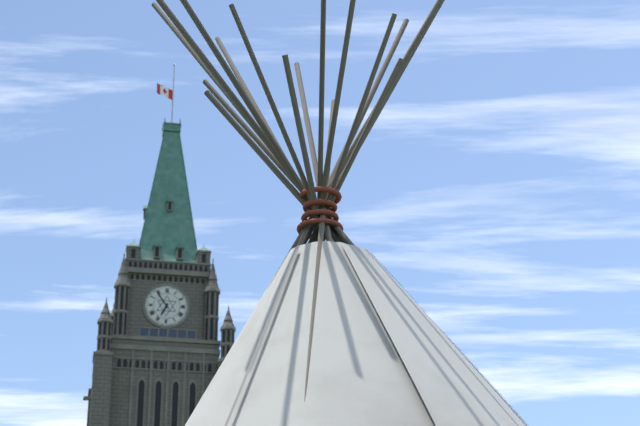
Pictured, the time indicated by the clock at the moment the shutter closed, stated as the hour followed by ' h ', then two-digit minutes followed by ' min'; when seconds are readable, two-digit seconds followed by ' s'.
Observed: 6 h 54 min
